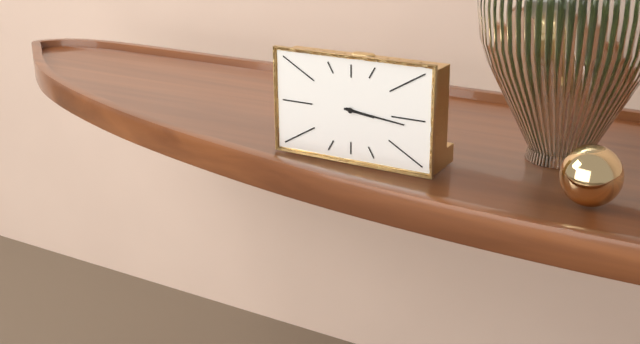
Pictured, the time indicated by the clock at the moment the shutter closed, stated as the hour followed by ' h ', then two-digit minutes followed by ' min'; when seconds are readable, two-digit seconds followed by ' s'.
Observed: 3 h 16 min
